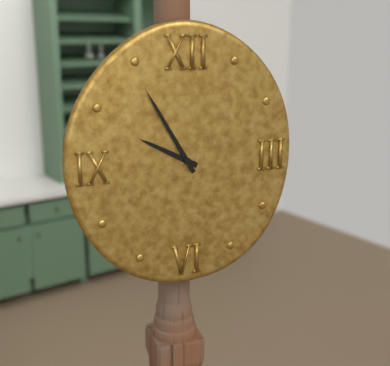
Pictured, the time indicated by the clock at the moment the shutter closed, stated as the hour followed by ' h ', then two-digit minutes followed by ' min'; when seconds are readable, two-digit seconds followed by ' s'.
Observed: 9 h 55 min
